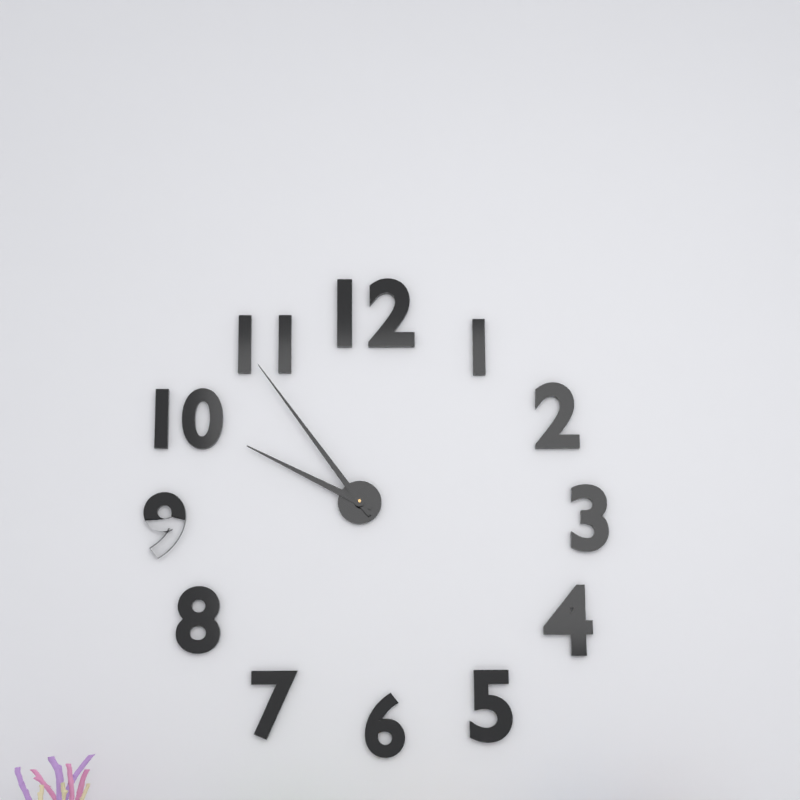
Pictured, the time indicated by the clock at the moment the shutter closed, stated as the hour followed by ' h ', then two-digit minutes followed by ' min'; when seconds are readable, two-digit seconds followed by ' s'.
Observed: 9 h 54 min
